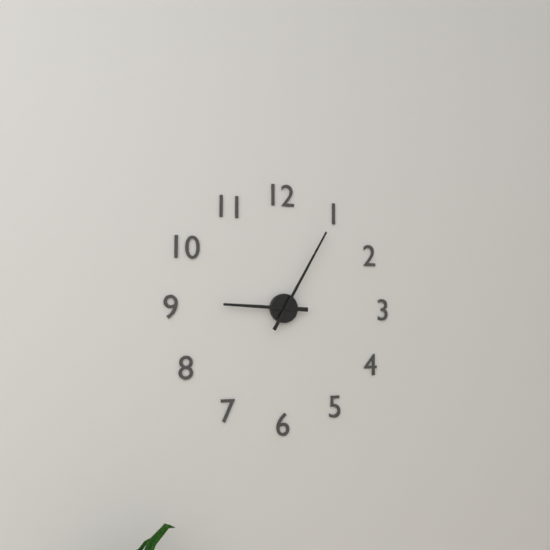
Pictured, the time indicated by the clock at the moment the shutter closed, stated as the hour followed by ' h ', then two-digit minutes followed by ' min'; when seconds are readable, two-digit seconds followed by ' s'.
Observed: 9 h 05 min
